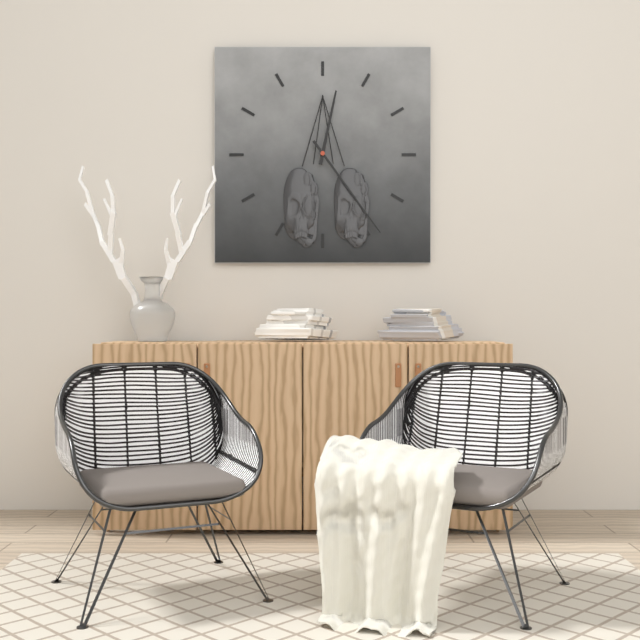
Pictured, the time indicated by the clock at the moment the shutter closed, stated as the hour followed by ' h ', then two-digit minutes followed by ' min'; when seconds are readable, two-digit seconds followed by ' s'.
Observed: 12 h 24 min
